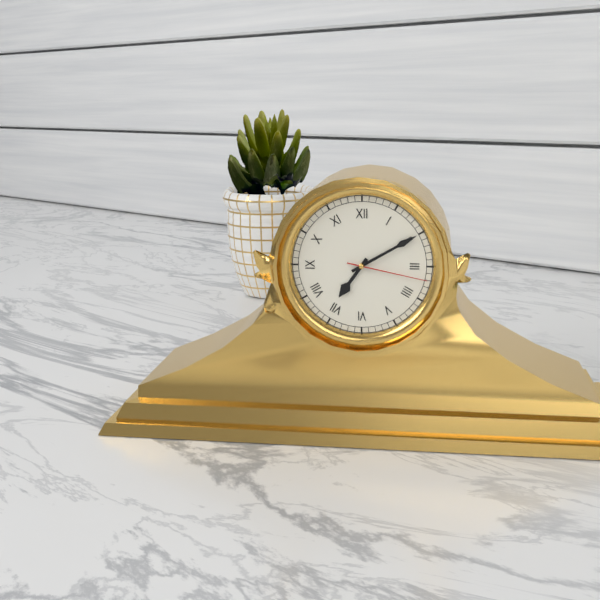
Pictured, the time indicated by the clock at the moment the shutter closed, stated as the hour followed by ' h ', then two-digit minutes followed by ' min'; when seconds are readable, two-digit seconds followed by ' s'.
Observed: 7 h 10 min 17 s
